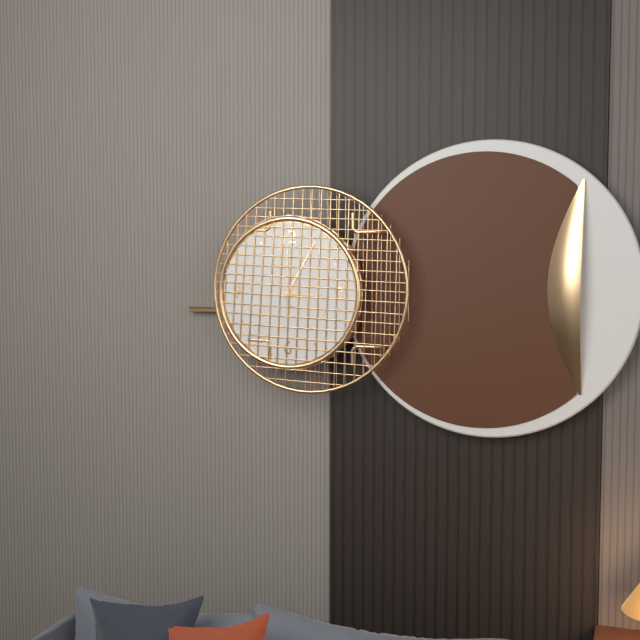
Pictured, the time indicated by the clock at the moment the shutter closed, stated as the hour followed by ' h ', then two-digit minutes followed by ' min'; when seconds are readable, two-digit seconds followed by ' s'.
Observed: 3 h 05 min 00 s
